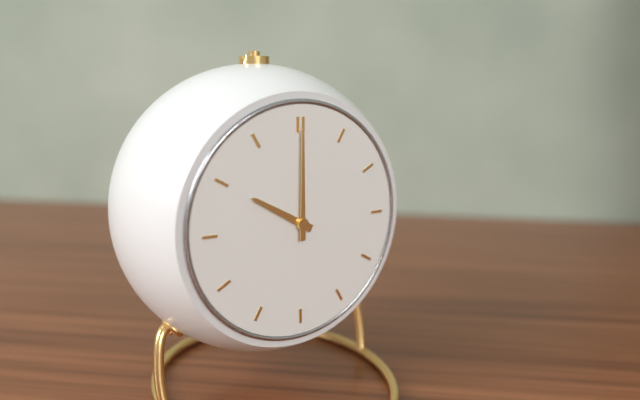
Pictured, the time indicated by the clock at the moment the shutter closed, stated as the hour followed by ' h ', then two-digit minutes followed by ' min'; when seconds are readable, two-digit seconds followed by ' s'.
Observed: 10 h 00 min
